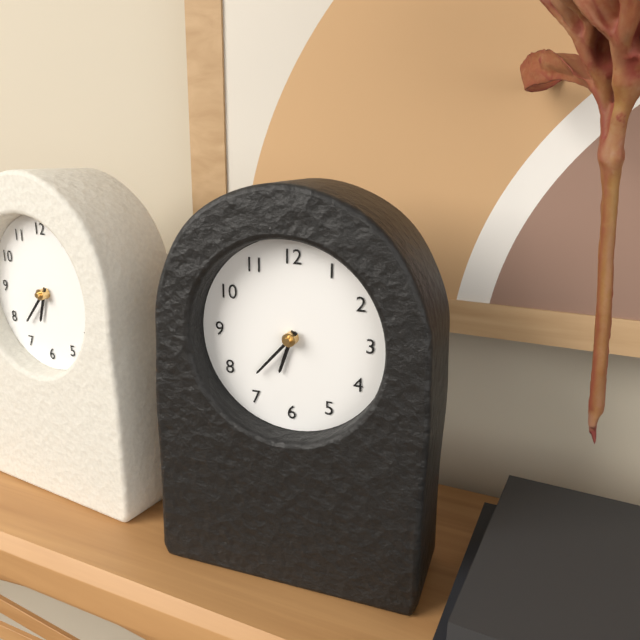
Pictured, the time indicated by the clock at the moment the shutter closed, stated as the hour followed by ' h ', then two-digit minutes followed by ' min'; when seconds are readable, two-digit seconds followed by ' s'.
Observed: 6 h 37 min
